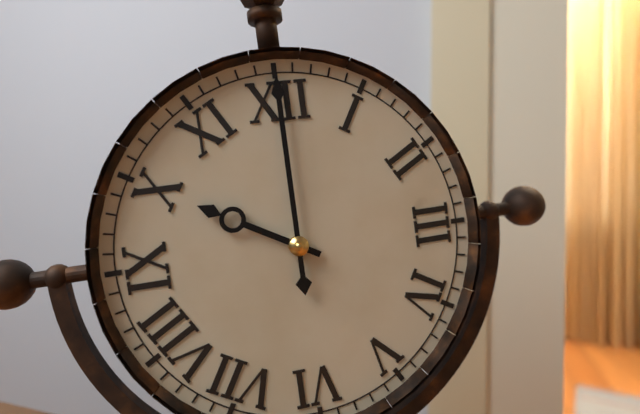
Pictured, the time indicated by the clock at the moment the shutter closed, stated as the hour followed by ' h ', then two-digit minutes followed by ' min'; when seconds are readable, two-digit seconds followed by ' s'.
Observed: 10 h 00 min
